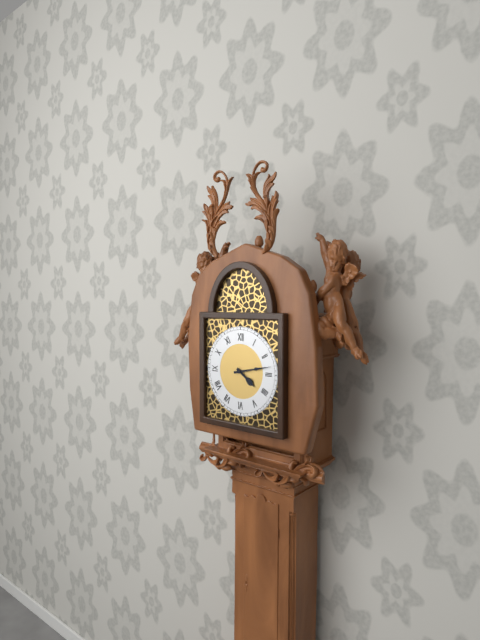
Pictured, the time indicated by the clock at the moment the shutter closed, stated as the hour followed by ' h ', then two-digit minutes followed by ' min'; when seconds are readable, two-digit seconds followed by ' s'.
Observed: 4 h 13 min
